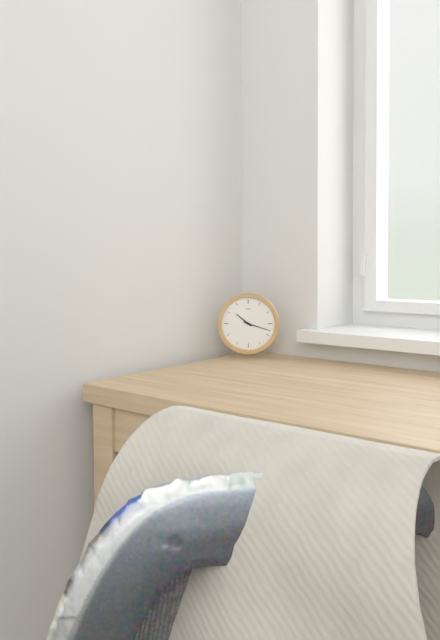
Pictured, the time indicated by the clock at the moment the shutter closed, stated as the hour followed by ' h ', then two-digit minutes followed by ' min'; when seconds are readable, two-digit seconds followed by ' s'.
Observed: 10 h 18 min
